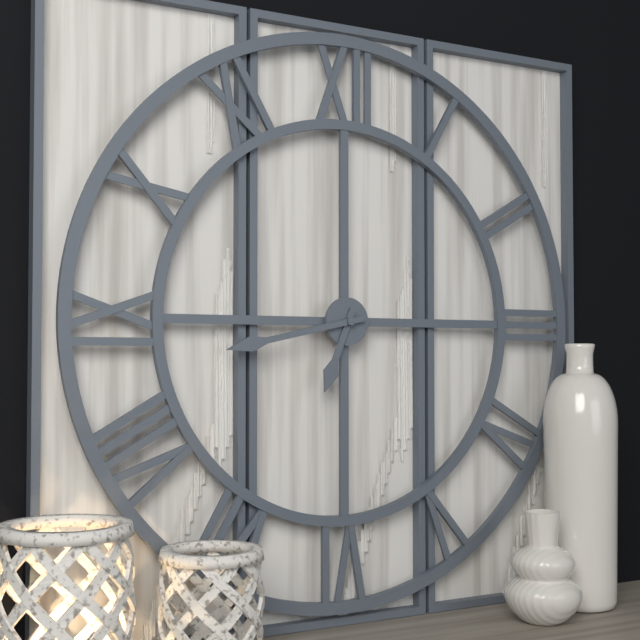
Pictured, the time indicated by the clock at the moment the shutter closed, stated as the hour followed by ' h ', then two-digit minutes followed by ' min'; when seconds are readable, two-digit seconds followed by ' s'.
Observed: 6 h 43 min
